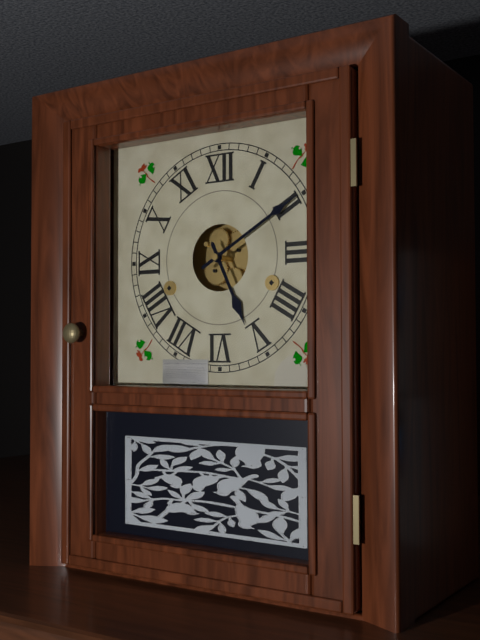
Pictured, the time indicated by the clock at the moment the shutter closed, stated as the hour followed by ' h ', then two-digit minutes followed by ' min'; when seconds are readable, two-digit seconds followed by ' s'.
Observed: 5 h 10 min
